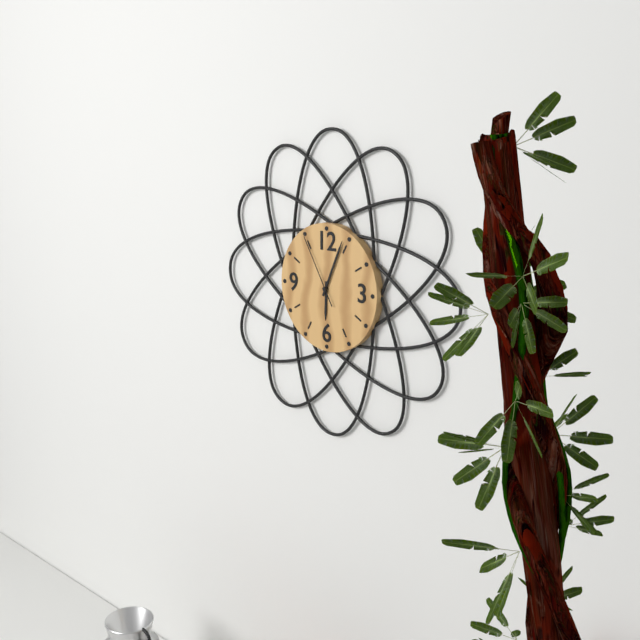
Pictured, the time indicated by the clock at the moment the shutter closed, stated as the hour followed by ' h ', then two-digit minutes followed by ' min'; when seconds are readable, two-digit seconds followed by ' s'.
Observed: 6 h 04 min 55 s
